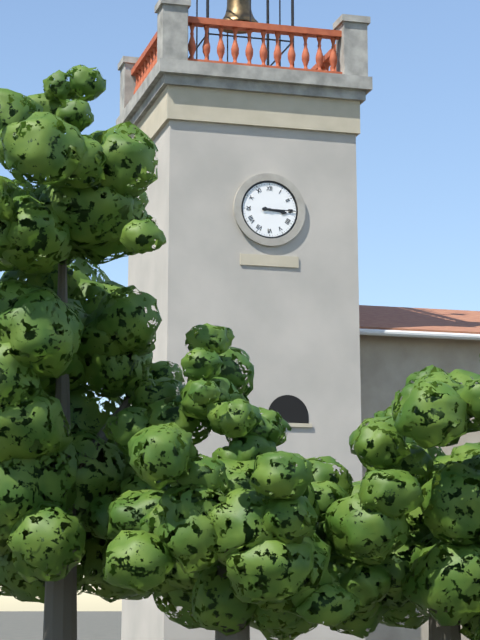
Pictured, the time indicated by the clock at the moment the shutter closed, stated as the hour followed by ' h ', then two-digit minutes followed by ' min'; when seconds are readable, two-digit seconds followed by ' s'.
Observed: 3 h 15 min
